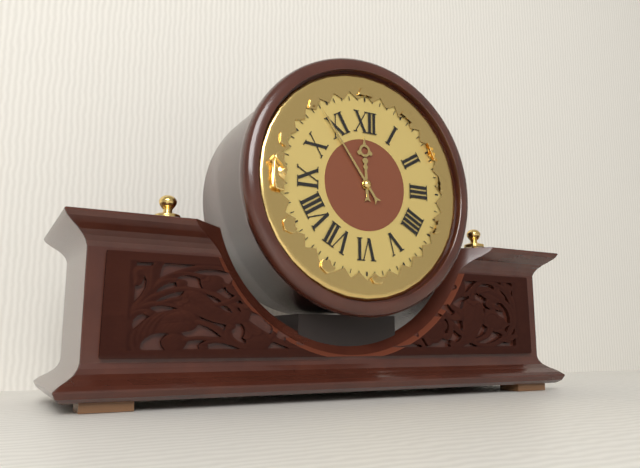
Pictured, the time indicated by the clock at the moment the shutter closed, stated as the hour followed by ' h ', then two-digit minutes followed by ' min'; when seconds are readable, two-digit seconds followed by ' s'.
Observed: 11 h 54 min
